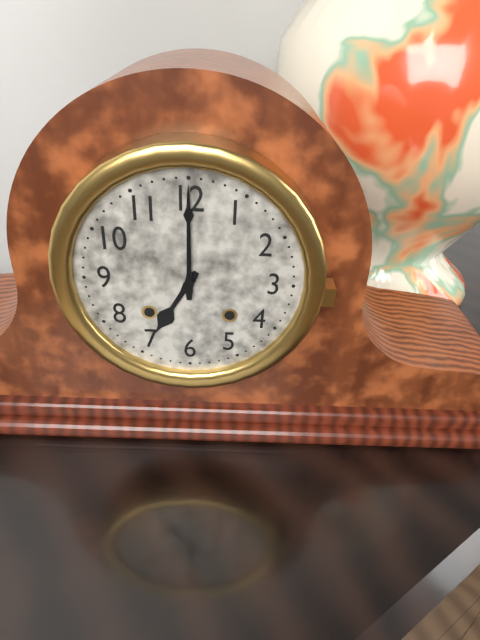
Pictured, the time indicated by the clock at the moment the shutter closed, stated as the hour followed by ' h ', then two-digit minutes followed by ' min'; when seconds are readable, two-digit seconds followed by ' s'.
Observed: 7 h 00 min
